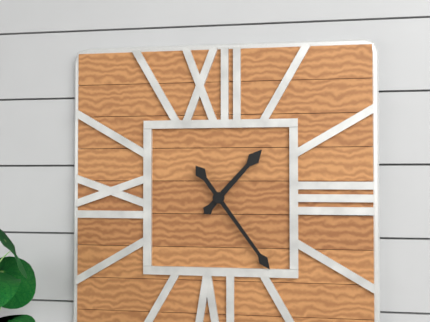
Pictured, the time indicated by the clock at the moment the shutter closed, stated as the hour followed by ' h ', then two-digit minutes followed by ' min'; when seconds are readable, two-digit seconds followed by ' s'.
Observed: 1 h 24 min
